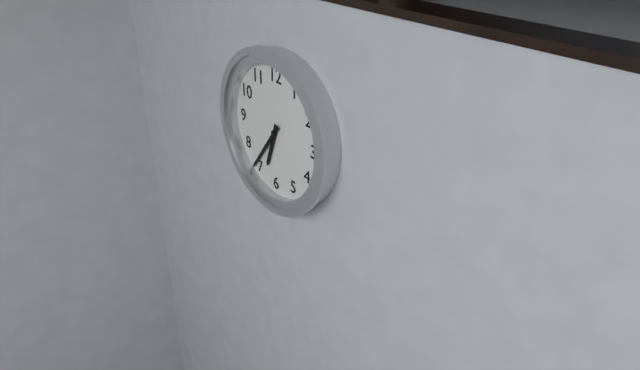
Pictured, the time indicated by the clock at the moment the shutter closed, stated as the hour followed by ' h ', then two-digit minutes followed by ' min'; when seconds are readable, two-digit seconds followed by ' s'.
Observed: 6 h 36 min
